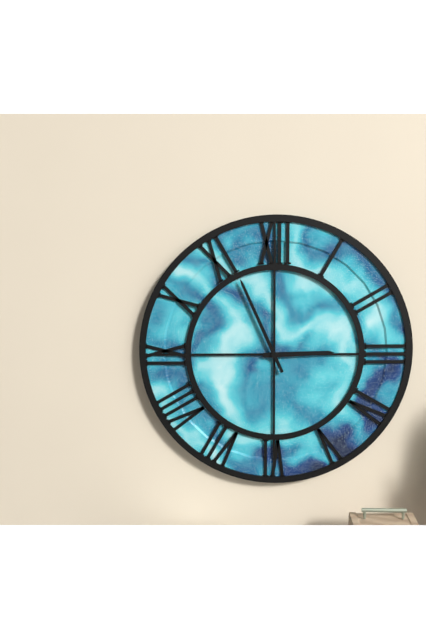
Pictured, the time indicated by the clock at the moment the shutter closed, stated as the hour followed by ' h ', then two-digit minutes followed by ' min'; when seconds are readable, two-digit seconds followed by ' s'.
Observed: 2 h 56 min
